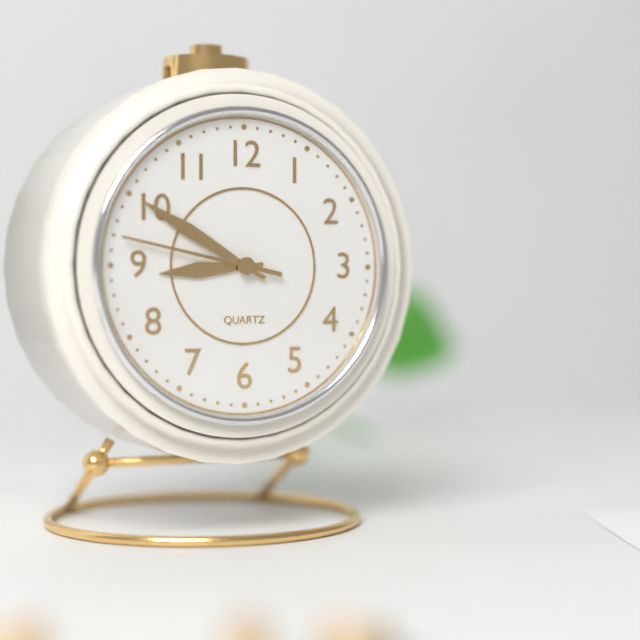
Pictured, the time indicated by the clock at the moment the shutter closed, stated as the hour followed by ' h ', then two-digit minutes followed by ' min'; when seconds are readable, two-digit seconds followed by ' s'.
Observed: 8 h 50 min 47 s
